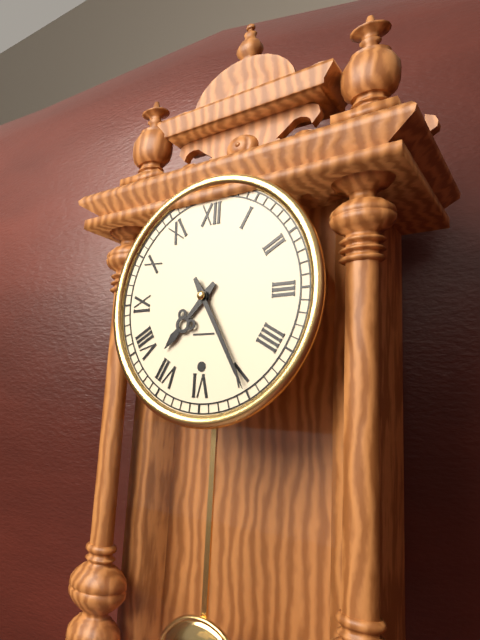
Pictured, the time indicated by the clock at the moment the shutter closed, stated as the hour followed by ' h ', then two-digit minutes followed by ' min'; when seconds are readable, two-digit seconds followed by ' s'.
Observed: 7 h 25 min
